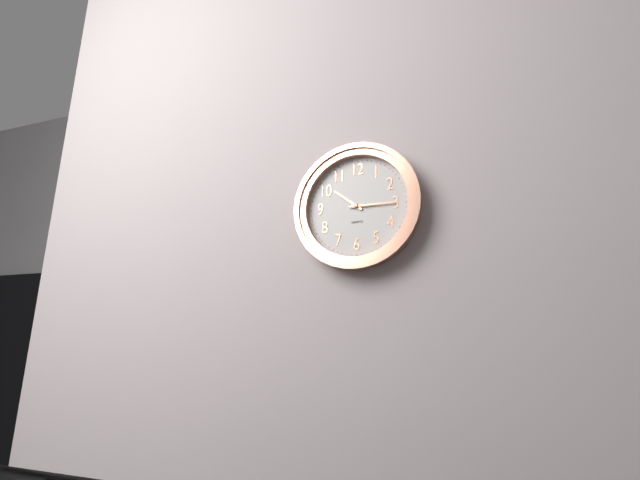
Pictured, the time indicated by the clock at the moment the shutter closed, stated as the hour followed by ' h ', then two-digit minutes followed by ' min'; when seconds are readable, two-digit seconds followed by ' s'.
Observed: 10 h 15 min
